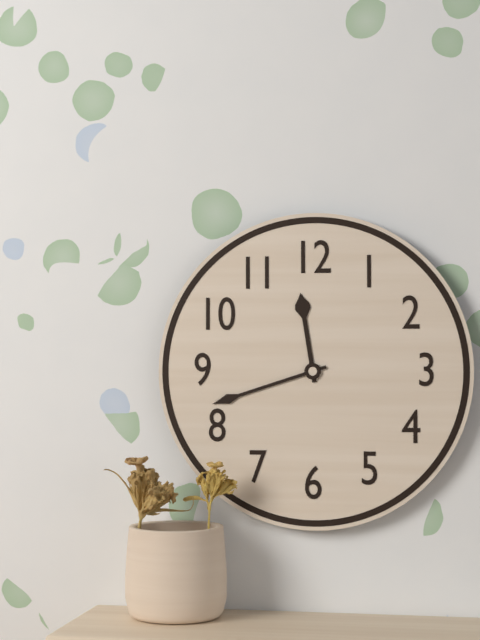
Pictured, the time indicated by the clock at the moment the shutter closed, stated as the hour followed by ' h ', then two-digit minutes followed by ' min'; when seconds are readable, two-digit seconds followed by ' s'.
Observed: 11 h 42 min
